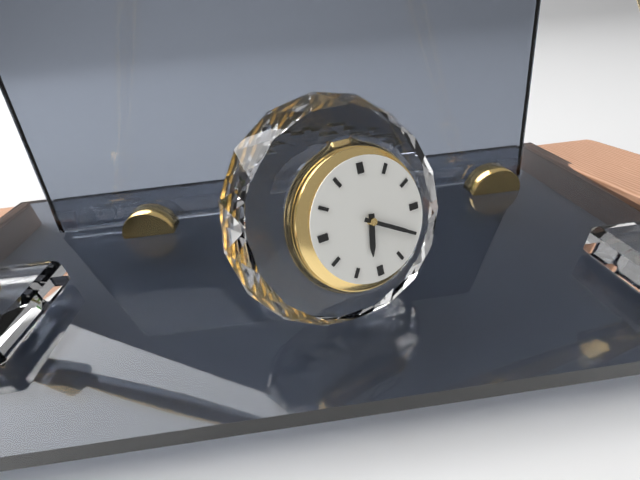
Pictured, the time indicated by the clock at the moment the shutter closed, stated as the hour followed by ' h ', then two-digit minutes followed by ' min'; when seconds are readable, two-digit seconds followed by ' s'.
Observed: 6 h 20 min
